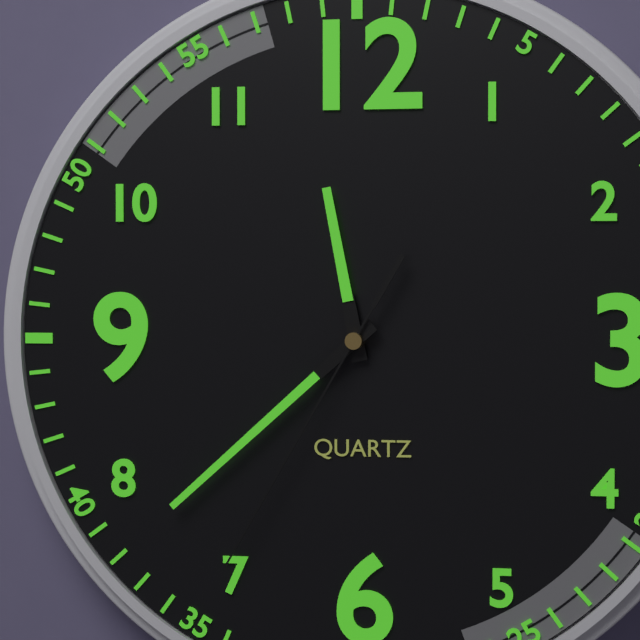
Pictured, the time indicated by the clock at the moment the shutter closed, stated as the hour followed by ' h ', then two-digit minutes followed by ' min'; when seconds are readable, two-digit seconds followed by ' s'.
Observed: 11 h 38 min 35 s
